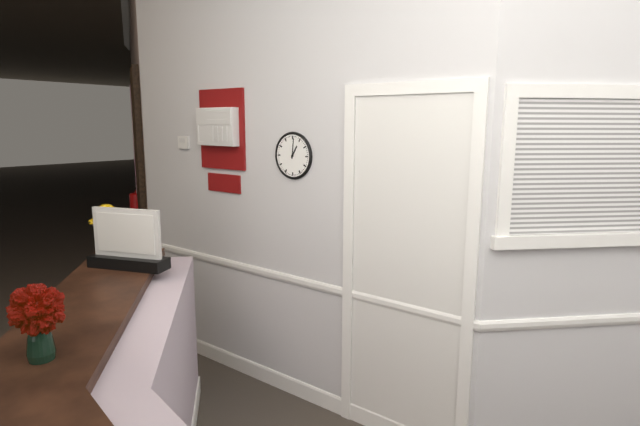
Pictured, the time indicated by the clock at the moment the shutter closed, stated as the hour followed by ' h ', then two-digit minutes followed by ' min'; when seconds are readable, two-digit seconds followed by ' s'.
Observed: 1 h 01 min
